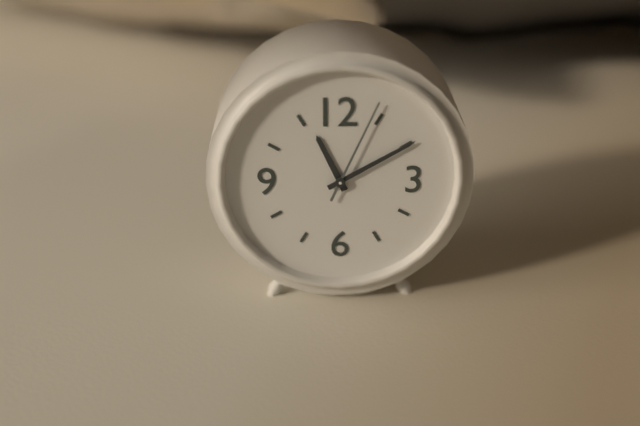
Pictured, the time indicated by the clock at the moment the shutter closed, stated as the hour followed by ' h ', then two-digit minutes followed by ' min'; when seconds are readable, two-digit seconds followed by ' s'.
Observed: 11 h 10 min 04 s
